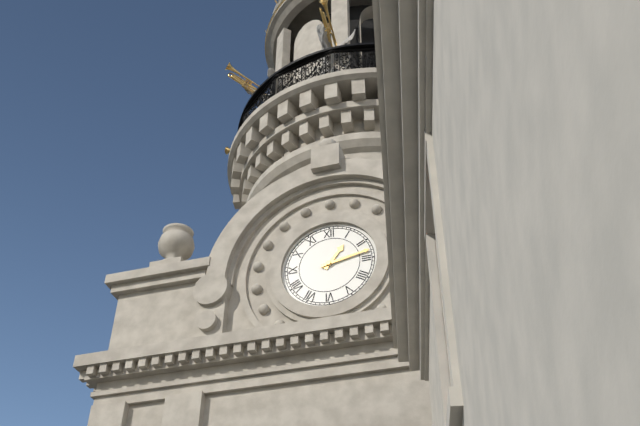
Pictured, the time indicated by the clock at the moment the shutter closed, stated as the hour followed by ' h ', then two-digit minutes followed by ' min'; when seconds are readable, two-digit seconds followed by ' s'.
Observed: 1 h 13 min
